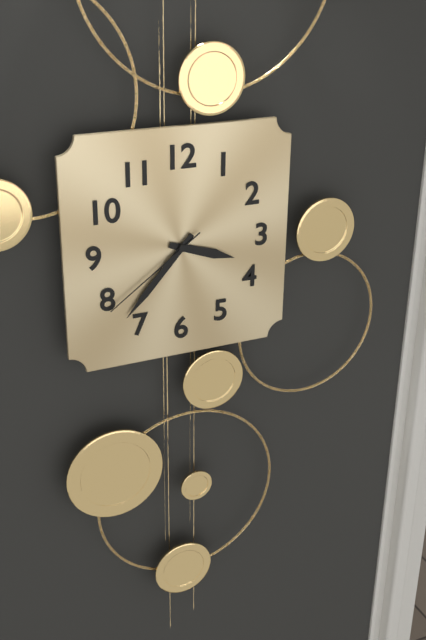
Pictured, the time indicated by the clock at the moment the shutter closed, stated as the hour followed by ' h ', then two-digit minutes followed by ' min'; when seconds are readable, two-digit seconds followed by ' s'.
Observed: 3 h 37 min 39 s
